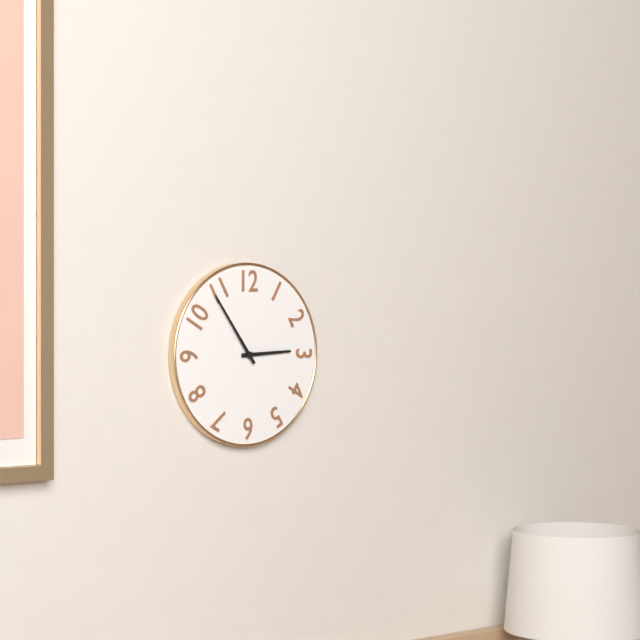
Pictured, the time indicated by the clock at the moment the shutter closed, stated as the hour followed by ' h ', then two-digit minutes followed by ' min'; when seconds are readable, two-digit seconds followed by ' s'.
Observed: 2 h 54 min
